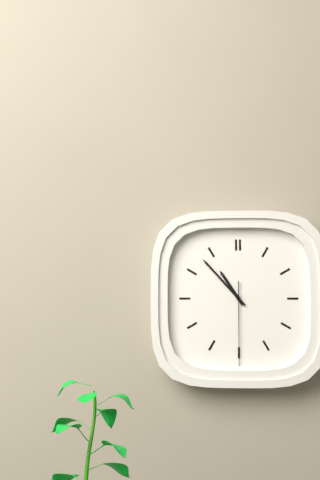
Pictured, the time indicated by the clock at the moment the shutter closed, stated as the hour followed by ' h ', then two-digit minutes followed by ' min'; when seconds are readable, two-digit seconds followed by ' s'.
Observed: 10 h 53 min 30 s
